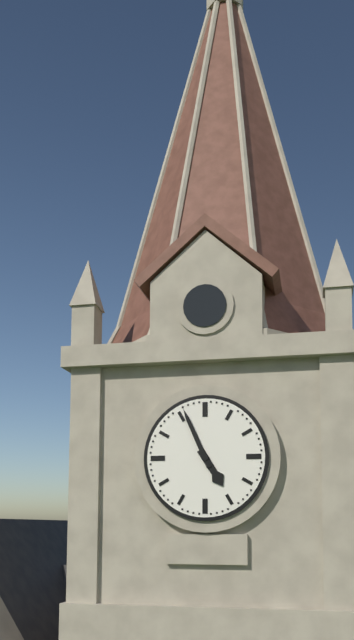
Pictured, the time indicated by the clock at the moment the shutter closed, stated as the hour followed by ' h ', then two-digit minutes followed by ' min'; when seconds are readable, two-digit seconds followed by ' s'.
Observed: 4 h 56 min
